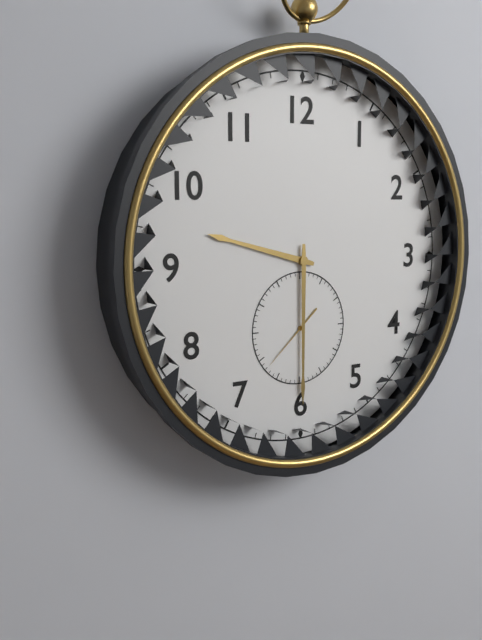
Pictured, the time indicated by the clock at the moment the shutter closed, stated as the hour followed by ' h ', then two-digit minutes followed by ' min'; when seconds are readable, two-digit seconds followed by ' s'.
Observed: 9 h 30 min 38 s
